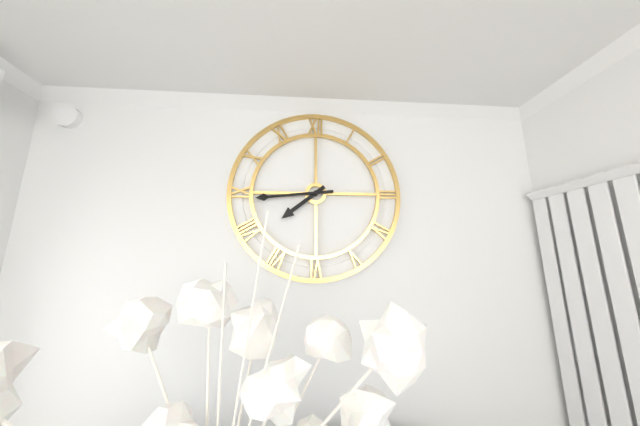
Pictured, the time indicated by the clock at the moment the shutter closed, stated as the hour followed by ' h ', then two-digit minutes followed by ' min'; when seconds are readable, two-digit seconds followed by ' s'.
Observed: 7 h 44 min
